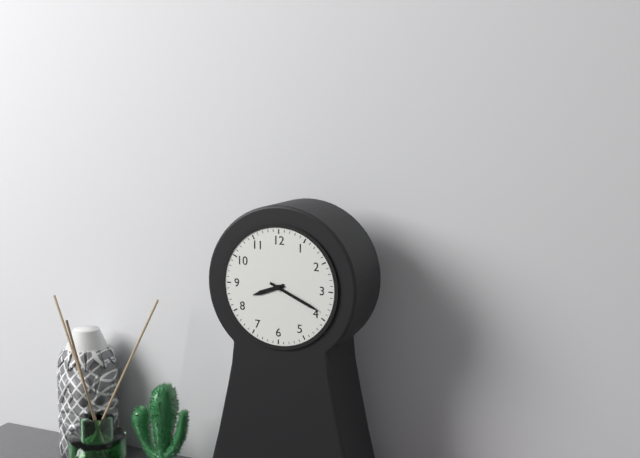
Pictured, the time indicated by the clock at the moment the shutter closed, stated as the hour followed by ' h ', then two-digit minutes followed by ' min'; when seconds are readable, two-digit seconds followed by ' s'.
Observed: 8 h 19 min
